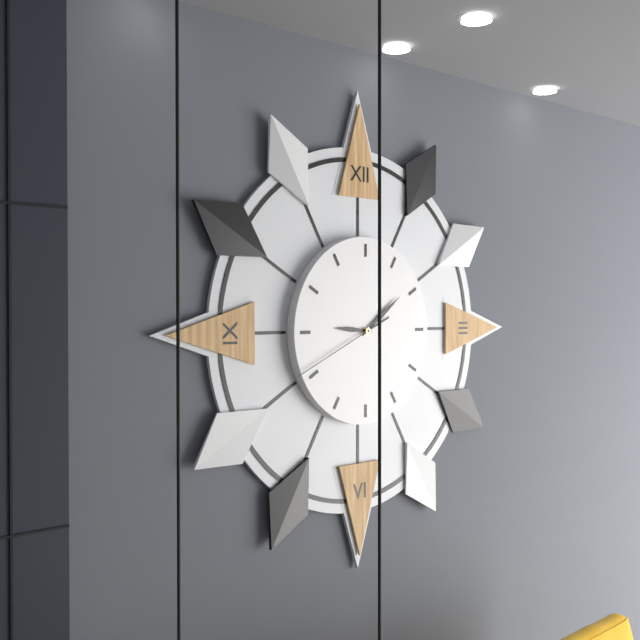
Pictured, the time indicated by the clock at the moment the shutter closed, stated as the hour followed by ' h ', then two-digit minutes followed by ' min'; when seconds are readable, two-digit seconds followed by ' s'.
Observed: 9 h 09 min 41 s
